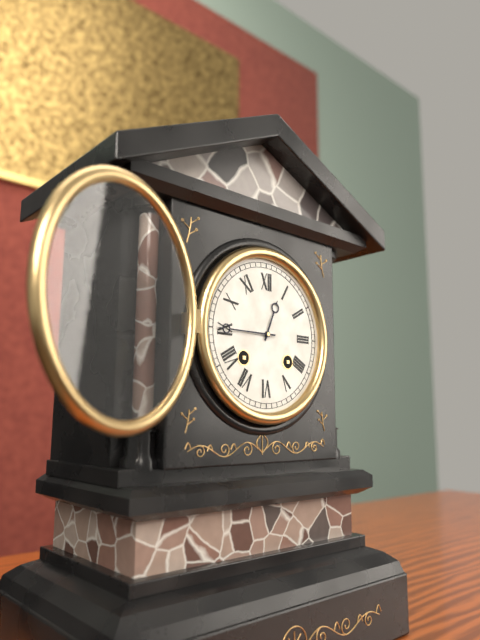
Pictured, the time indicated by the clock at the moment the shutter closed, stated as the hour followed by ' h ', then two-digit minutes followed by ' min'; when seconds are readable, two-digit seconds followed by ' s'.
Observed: 12 h 45 min
